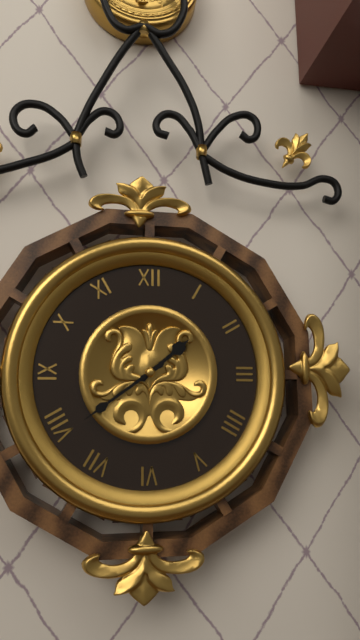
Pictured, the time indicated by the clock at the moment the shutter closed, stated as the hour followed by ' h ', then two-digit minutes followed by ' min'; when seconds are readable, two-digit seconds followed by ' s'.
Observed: 1 h 39 min
